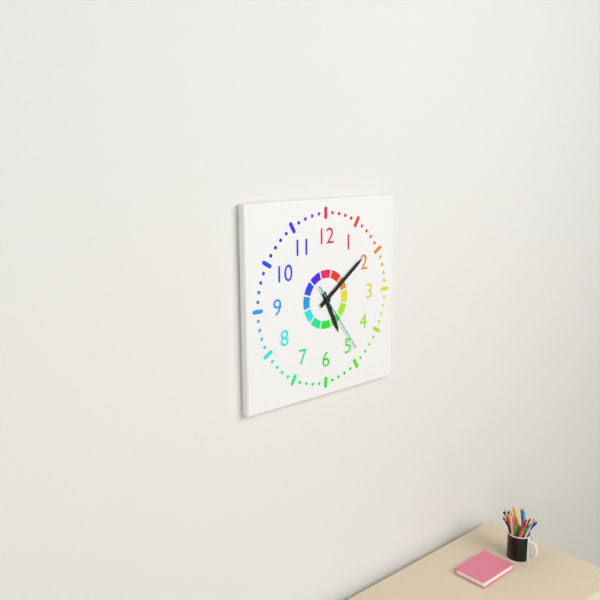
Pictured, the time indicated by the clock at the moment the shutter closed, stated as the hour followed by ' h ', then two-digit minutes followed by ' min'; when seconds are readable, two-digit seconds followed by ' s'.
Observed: 5 h 09 min 24 s
